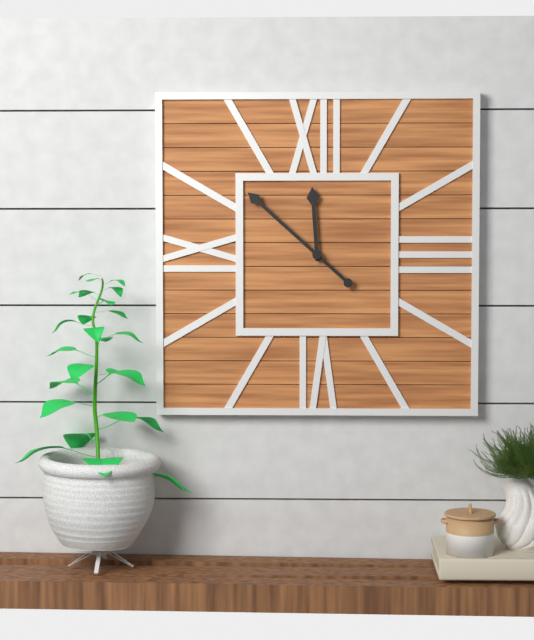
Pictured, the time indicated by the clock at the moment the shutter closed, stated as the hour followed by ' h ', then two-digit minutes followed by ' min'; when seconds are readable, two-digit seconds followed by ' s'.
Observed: 11 h 52 min
